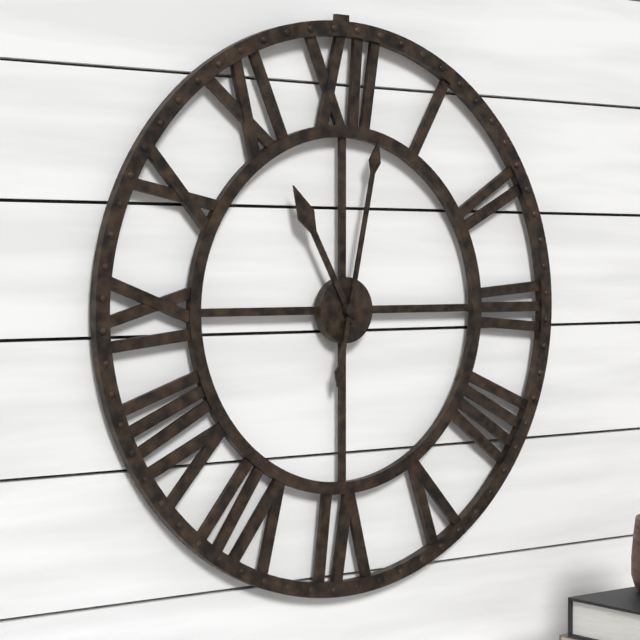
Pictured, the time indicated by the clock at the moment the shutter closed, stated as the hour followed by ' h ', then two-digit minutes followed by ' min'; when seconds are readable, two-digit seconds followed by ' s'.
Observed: 11 h 02 min
